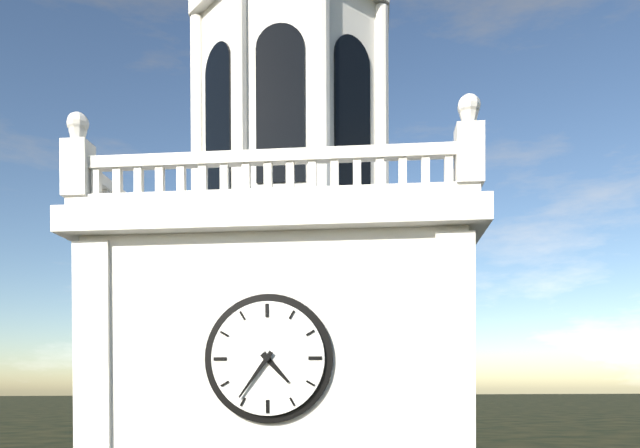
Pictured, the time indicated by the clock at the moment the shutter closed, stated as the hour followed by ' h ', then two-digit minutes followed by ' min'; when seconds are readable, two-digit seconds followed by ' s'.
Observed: 4 h 36 min
